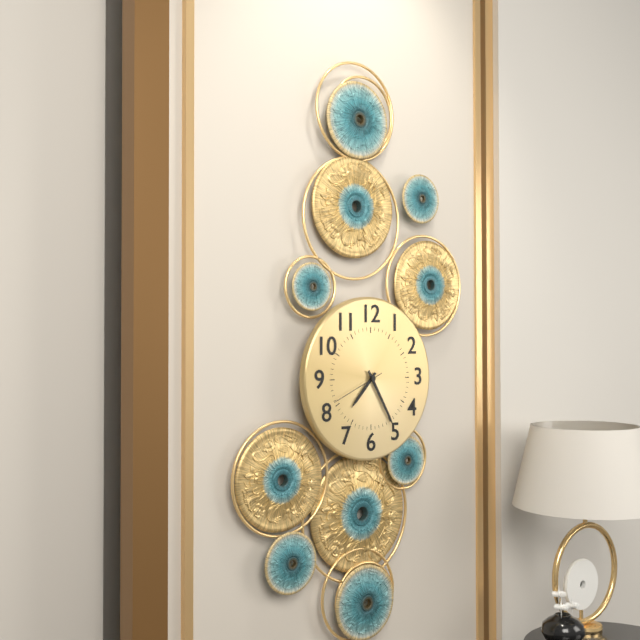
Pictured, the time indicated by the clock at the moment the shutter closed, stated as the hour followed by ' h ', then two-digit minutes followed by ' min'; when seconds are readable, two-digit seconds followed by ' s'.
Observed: 7 h 25 min
